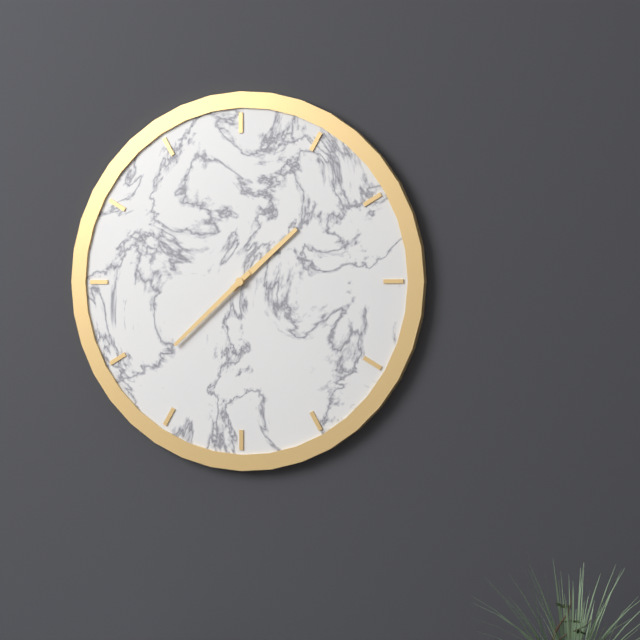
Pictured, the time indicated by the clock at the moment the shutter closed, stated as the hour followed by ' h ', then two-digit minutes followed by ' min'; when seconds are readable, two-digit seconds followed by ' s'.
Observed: 1 h 38 min
